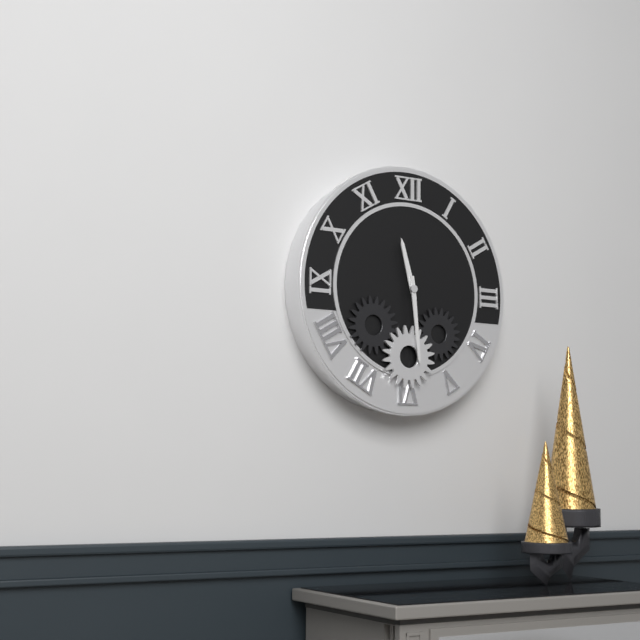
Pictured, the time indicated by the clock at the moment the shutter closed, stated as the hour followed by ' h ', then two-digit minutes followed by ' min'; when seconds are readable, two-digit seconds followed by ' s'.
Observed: 11 h 29 min
